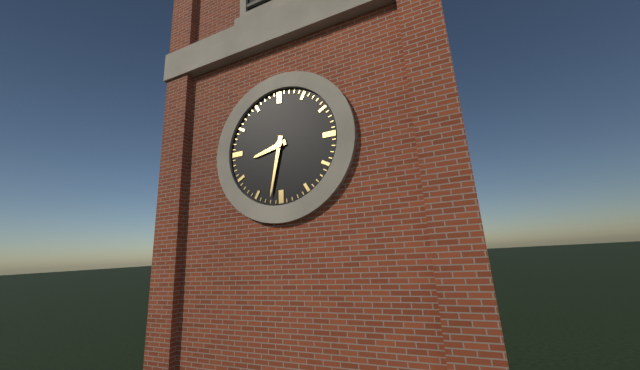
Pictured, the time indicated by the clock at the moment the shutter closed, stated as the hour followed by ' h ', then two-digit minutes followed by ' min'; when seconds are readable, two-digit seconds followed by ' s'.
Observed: 8 h 32 min
